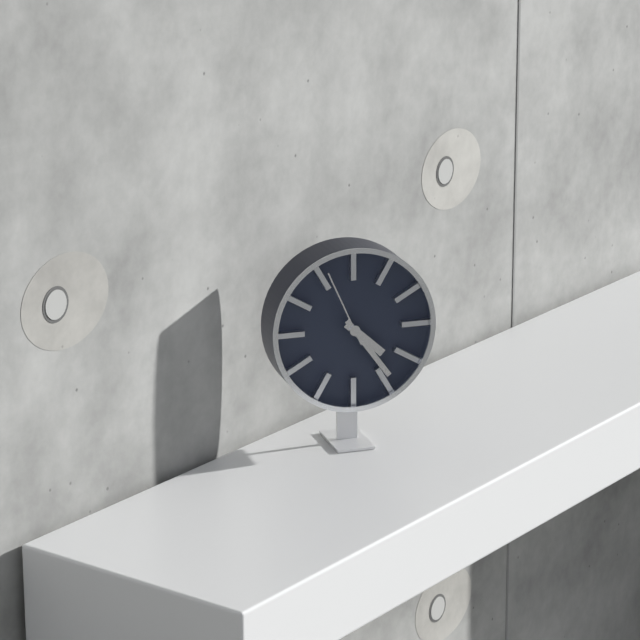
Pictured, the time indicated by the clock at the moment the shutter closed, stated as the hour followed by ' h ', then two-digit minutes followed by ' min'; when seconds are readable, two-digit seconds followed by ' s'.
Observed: 4 h 24 min 56 s
